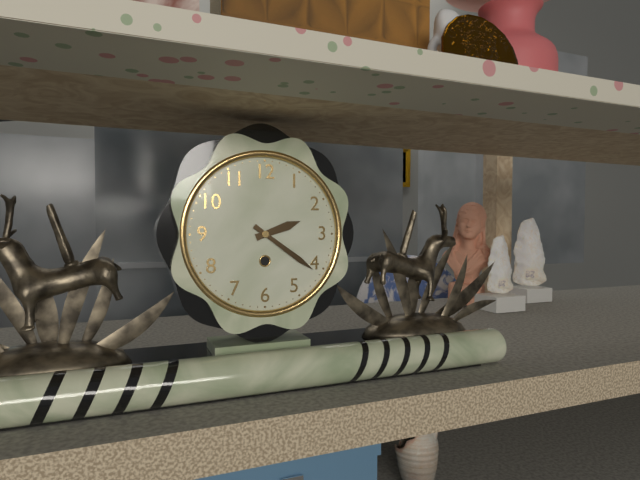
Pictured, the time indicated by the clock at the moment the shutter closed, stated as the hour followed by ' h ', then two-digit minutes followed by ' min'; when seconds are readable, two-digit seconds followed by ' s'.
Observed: 2 h 21 min
